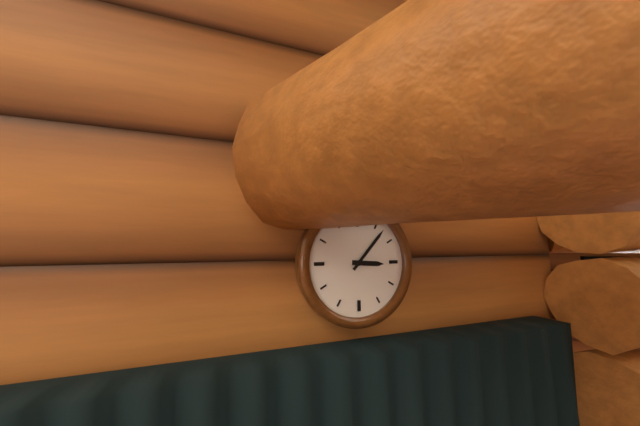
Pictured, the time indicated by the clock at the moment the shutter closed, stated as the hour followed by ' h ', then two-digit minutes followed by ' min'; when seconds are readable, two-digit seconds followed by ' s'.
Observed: 3 h 07 min
